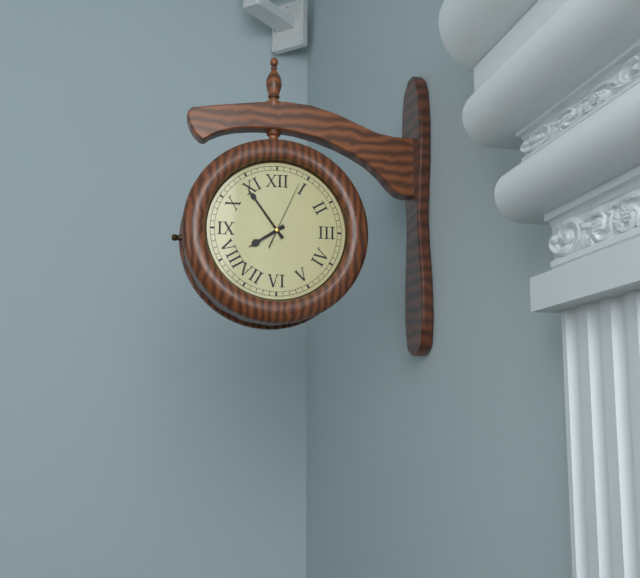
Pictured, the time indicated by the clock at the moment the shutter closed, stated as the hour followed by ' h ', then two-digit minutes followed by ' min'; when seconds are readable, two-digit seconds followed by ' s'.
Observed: 7 h 54 min 04 s
